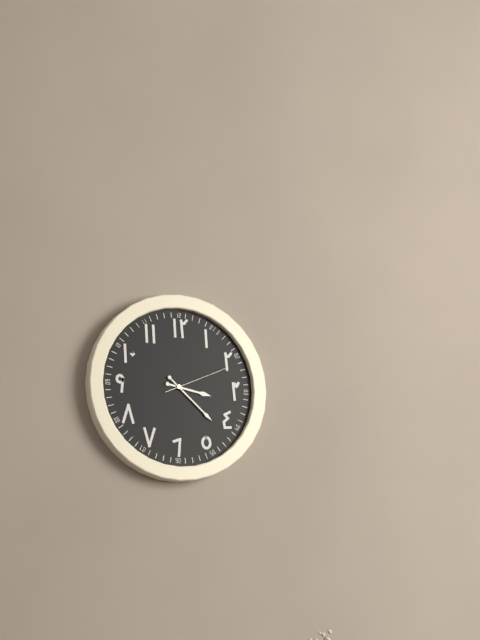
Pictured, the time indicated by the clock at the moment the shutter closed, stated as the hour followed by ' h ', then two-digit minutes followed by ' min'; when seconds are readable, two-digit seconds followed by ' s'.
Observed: 3 h 22 min 11 s
